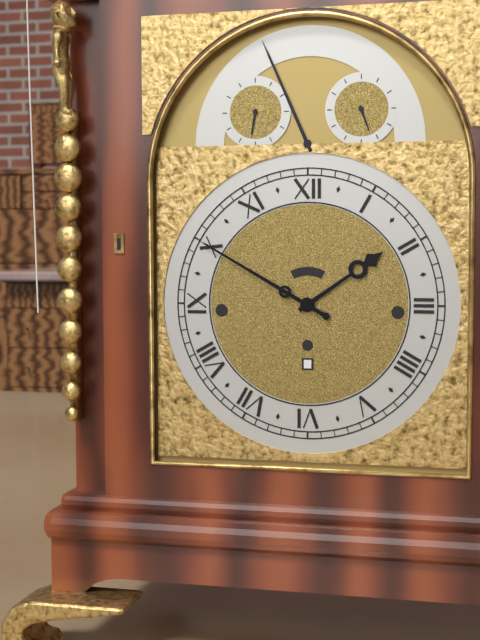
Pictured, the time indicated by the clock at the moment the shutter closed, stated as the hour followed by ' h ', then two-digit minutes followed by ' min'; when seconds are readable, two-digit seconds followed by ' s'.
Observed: 1 h 50 min
